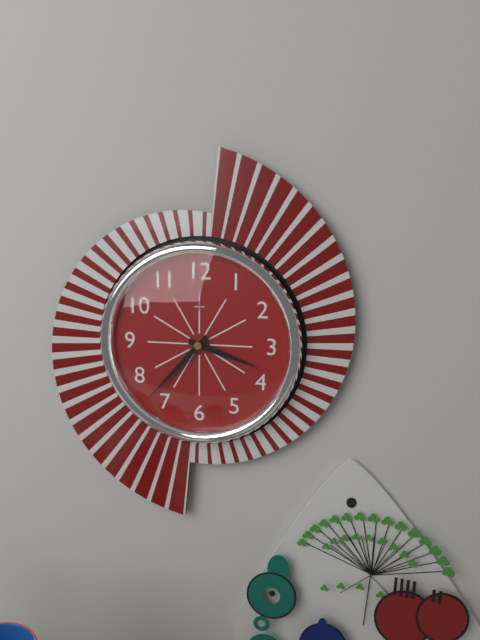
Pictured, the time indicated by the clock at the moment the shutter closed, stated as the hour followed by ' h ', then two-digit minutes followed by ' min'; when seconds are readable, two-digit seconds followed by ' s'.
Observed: 3 h 37 min
